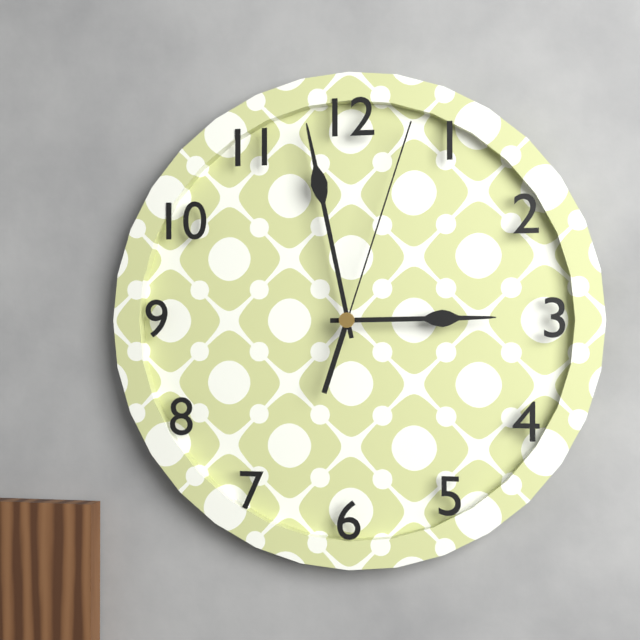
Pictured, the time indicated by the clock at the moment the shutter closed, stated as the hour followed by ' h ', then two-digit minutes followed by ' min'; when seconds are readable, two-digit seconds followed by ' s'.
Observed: 2 h 58 min 03 s
